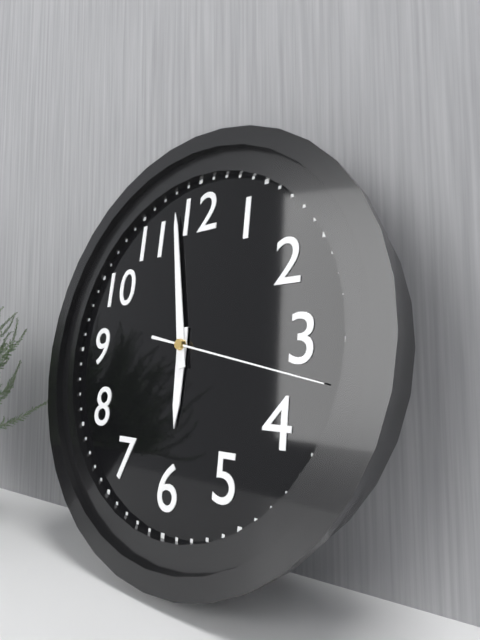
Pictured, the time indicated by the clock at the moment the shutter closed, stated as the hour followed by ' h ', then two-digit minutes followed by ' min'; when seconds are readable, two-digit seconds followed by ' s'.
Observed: 5 h 58 min 17 s
